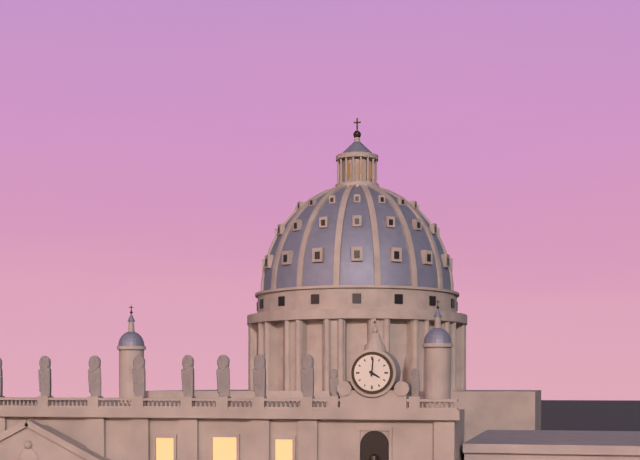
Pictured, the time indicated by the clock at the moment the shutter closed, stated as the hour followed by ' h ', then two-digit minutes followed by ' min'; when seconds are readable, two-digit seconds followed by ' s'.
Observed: 4 h 01 min
